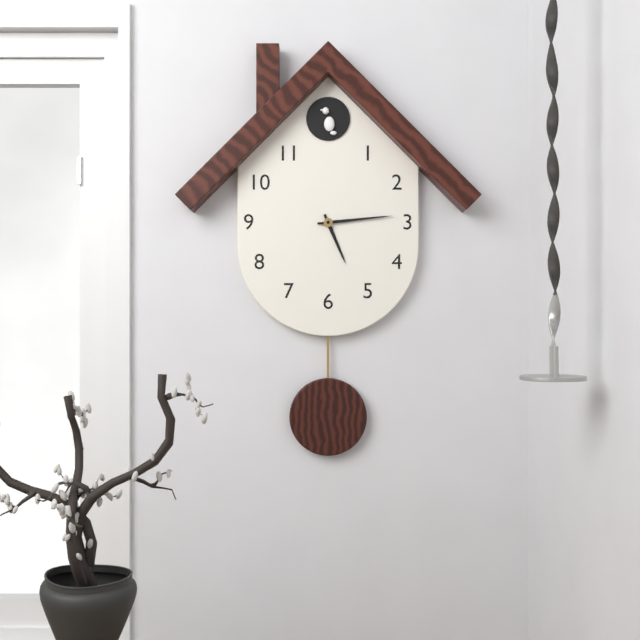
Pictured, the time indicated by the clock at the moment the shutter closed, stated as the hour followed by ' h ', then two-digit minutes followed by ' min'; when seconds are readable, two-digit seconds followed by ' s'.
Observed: 5 h 14 min
